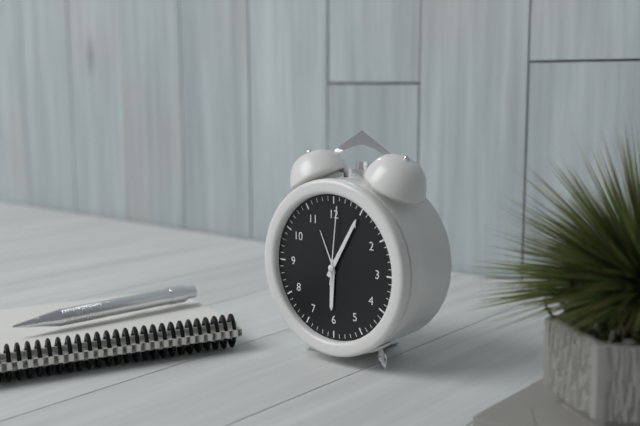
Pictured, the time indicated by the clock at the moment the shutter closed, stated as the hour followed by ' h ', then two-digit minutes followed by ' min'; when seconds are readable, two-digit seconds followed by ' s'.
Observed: 6 h 05 min 01 s
